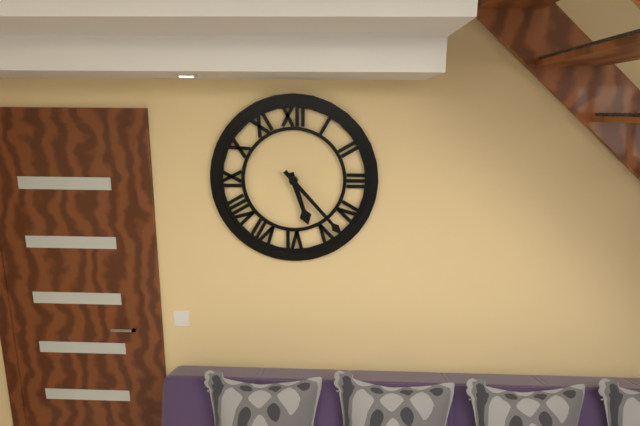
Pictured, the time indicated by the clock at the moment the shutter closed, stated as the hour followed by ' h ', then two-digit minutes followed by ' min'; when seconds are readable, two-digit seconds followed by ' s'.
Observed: 5 h 23 min
